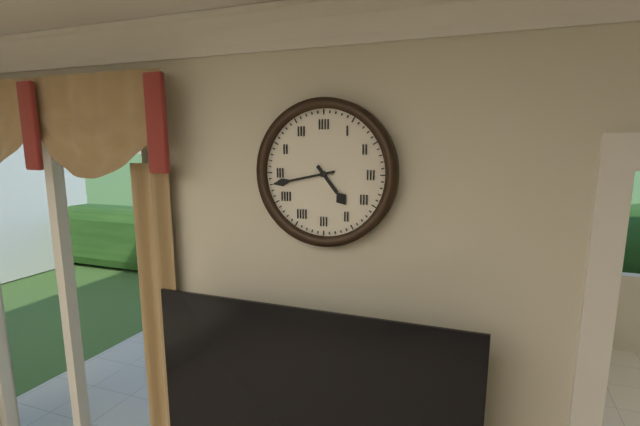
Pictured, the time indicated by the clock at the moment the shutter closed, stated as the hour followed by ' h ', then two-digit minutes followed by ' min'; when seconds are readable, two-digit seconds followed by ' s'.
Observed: 4 h 43 min
